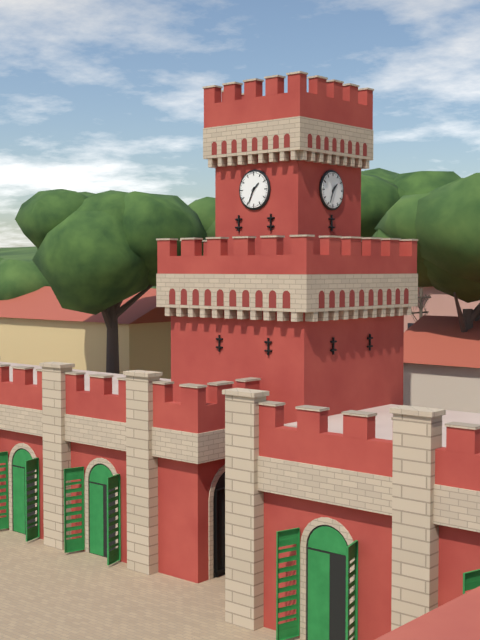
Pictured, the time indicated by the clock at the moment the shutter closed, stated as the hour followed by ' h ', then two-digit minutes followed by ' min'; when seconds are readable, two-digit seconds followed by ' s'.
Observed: 1 h 34 min
